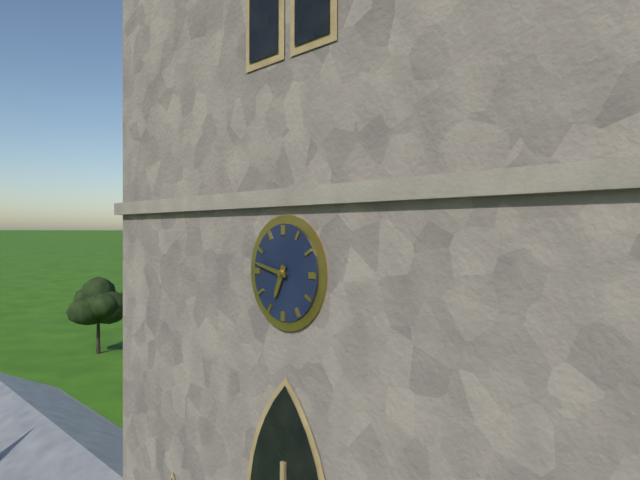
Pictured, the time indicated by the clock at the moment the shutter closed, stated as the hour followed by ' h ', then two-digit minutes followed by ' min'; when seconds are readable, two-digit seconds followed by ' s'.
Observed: 6 h 47 min
